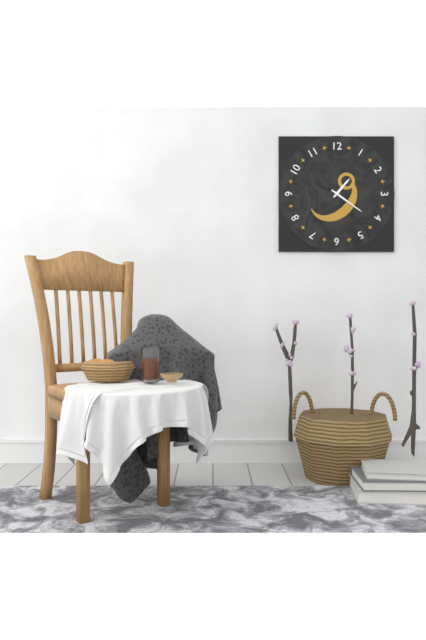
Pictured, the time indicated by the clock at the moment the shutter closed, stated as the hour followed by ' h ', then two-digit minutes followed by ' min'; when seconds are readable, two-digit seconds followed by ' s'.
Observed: 1 h 21 min
